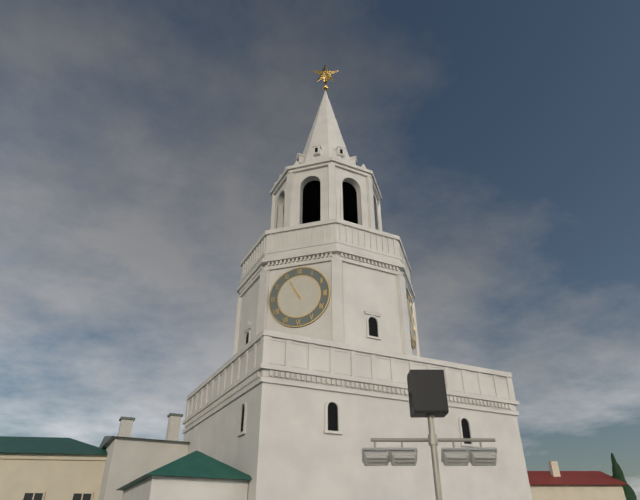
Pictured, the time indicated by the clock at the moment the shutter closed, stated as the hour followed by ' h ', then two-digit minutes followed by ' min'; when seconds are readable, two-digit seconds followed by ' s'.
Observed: 10 h 55 min
